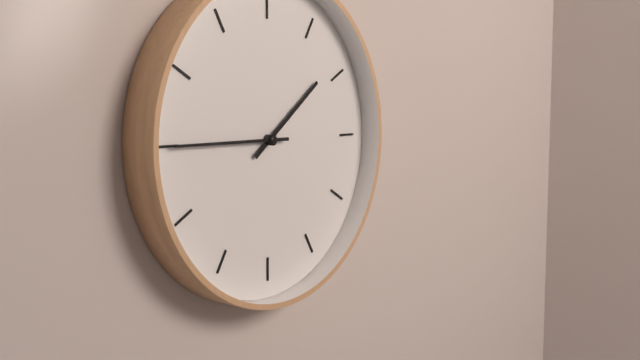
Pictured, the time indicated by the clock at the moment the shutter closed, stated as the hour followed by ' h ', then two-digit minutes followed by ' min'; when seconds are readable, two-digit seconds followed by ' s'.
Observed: 1 h 45 min
